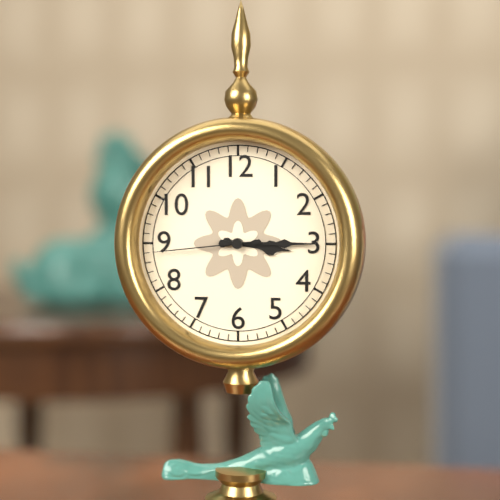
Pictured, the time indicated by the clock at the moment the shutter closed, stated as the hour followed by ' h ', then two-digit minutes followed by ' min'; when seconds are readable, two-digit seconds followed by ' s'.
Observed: 3 h 15 min 44 s
